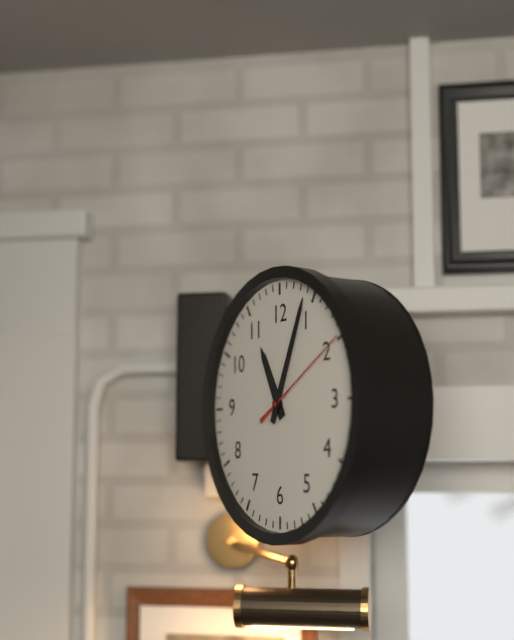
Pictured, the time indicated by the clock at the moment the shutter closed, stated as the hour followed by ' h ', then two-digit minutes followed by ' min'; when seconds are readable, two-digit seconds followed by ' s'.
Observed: 11 h 04 min 10 s
